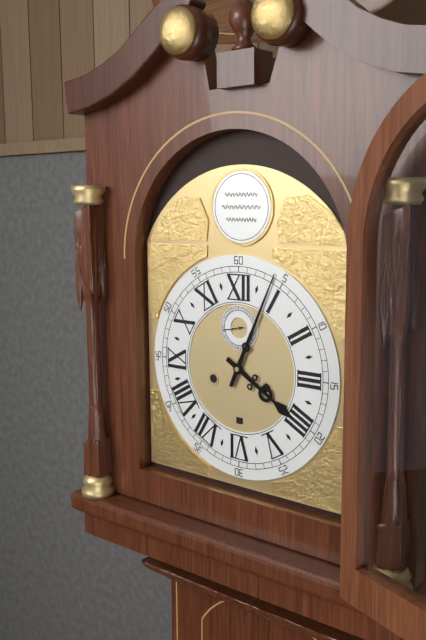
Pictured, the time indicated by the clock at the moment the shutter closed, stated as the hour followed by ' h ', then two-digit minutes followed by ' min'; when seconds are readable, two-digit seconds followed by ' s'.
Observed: 4 h 04 min
